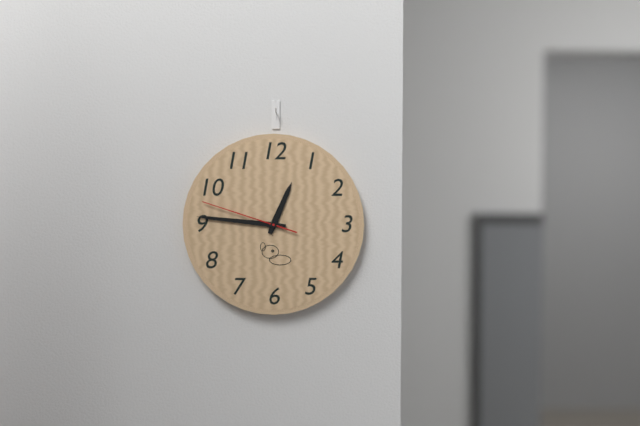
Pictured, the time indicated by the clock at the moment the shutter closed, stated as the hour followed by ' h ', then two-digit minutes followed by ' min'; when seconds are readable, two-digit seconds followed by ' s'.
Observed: 12 h 46 min 48 s
